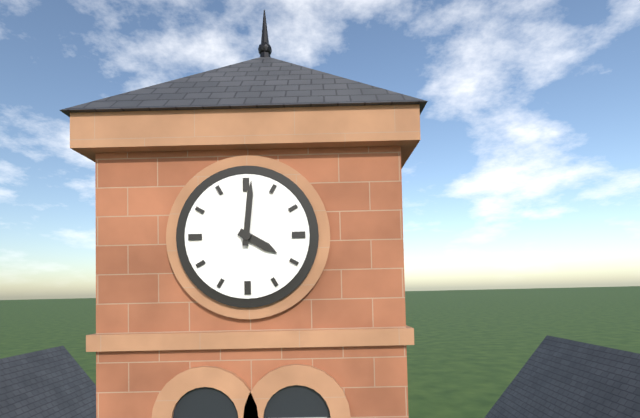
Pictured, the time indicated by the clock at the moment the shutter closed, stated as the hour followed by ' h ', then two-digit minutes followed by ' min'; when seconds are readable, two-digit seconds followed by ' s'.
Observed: 4 h 01 min
